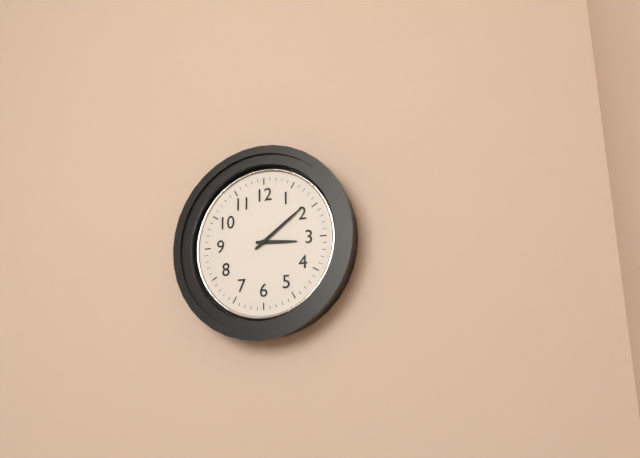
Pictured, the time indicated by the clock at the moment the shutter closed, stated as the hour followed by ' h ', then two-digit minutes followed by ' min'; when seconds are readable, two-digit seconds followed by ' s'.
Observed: 3 h 09 min
